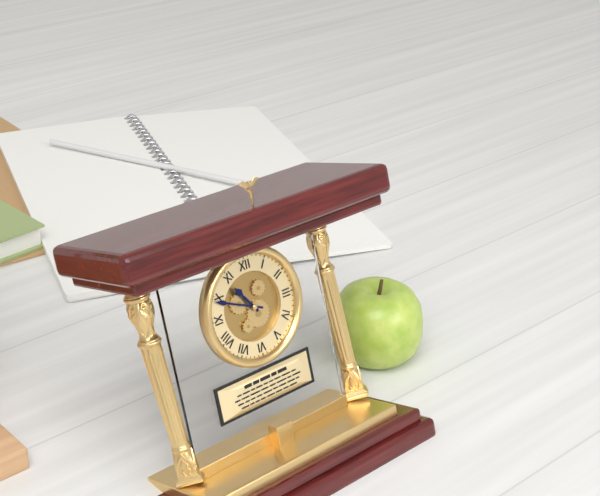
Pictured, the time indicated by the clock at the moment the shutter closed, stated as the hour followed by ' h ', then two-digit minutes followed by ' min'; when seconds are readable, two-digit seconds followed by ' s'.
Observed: 10 h 49 min
